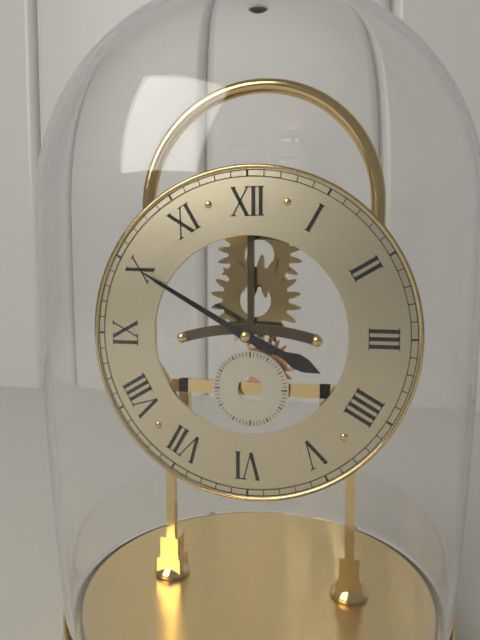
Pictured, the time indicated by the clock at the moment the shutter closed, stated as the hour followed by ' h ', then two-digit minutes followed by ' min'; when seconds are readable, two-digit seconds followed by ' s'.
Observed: 3 h 50 min
